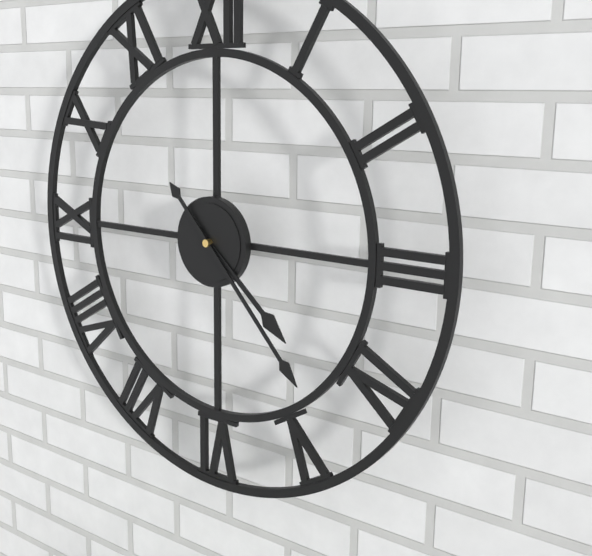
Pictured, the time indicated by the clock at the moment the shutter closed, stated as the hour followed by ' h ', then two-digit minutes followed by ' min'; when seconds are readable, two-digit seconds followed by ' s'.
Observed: 4 h 23 min
